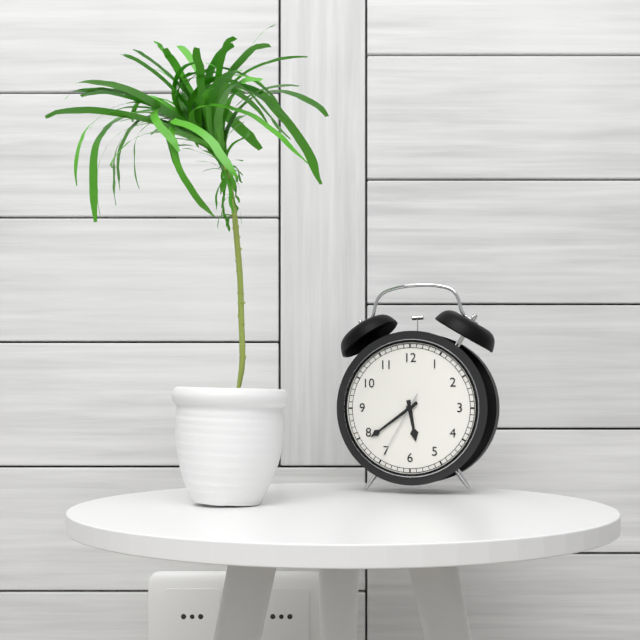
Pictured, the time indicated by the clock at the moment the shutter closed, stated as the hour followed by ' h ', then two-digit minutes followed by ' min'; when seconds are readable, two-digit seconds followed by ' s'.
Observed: 5 h 39 min 35 s
